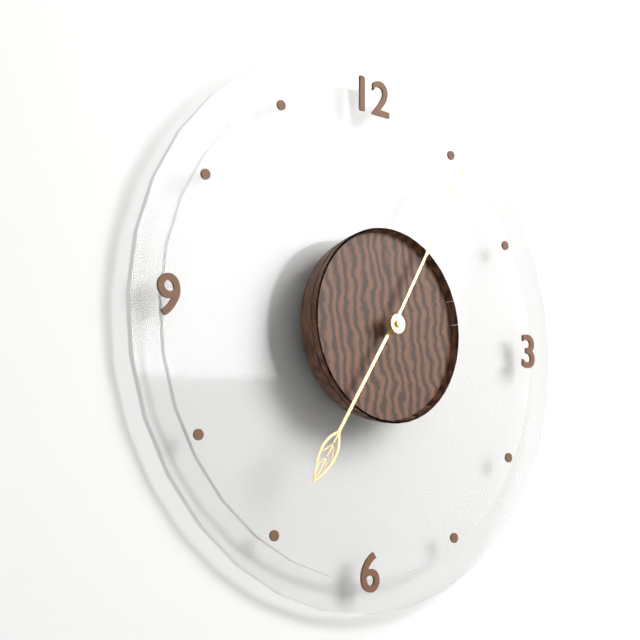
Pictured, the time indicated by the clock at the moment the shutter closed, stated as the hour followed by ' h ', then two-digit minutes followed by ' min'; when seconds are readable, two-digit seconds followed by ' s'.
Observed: 7 h 05 min
